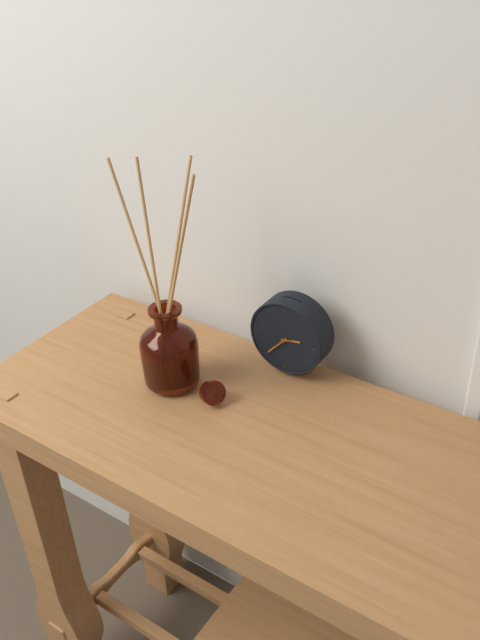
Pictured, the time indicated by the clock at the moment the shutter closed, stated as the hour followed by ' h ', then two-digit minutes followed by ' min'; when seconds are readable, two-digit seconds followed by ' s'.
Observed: 2 h 37 min
